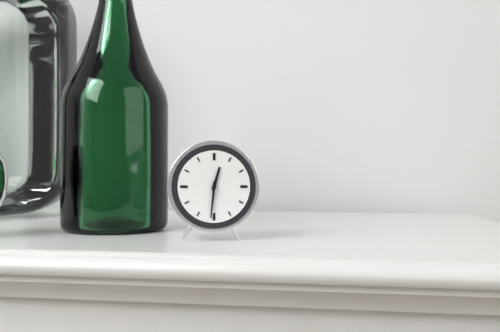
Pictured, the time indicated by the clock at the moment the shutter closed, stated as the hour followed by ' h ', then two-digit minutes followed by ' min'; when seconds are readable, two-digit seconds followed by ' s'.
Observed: 12 h 31 min
